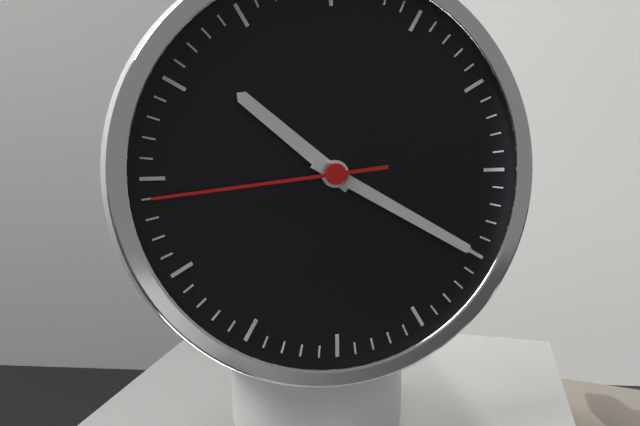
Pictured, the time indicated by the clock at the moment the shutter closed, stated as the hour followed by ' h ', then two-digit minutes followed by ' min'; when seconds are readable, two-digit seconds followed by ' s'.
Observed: 10 h 20 min 44 s
